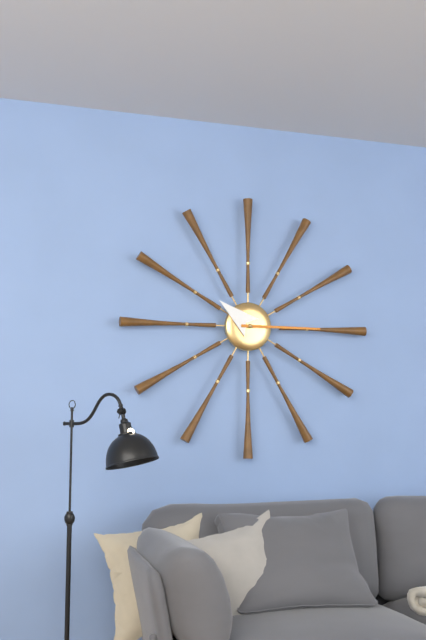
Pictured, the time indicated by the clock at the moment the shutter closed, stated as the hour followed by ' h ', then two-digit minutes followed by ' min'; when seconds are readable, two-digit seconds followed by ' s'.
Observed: 10 h 15 min
